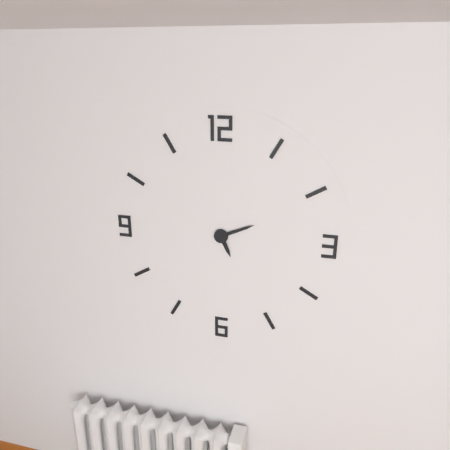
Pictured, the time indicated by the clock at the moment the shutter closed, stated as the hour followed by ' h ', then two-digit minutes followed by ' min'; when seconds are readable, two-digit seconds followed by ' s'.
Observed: 5 h 11 min
